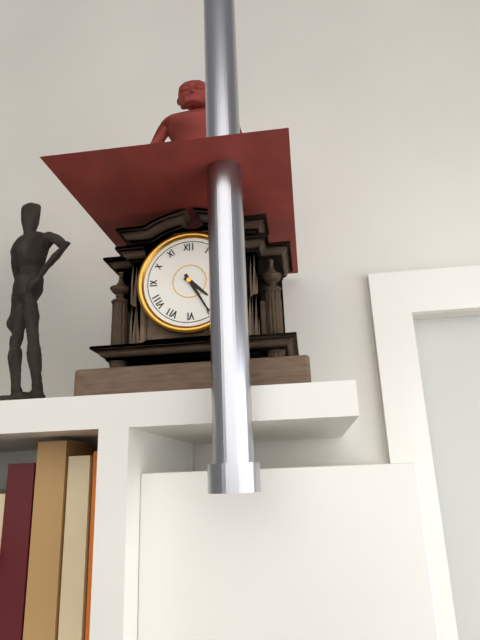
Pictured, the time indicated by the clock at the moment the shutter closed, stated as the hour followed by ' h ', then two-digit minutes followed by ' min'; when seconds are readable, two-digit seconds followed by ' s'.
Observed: 4 h 25 min
